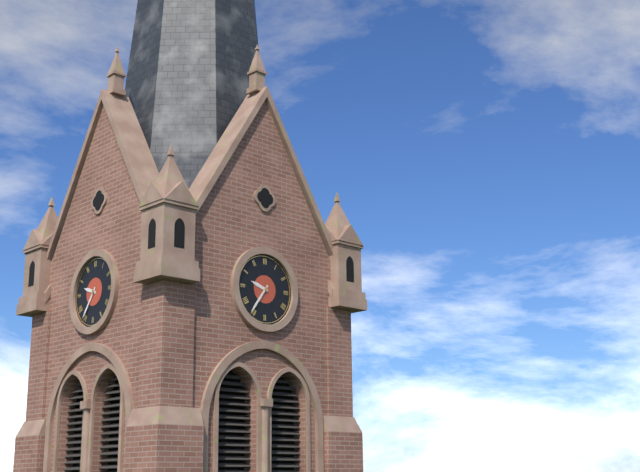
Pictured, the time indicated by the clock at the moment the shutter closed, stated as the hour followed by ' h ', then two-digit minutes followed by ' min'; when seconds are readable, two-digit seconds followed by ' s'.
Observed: 9 h 36 min
